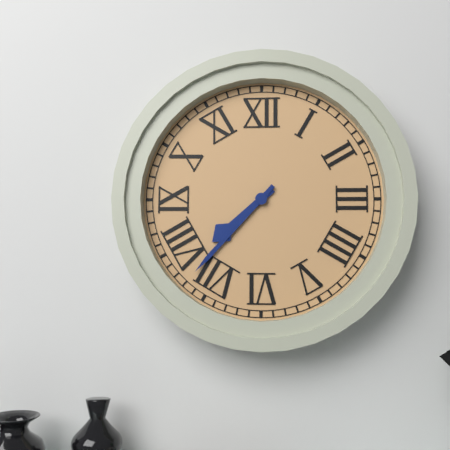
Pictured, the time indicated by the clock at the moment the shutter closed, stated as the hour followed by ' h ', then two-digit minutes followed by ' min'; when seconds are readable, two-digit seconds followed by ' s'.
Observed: 7 h 37 min
